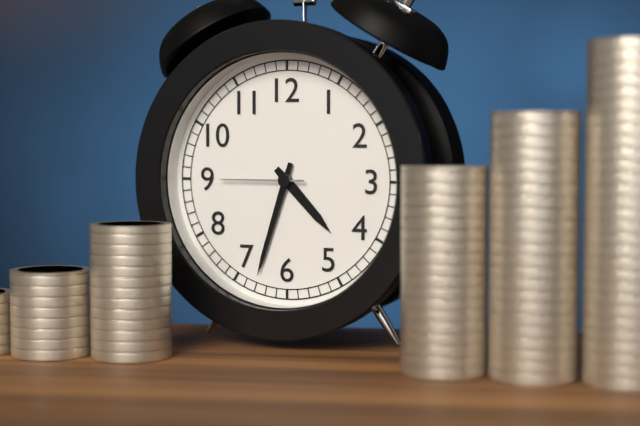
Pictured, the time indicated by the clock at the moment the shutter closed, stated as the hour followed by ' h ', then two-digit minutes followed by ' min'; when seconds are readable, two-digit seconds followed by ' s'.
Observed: 4 h 33 min 45 s
